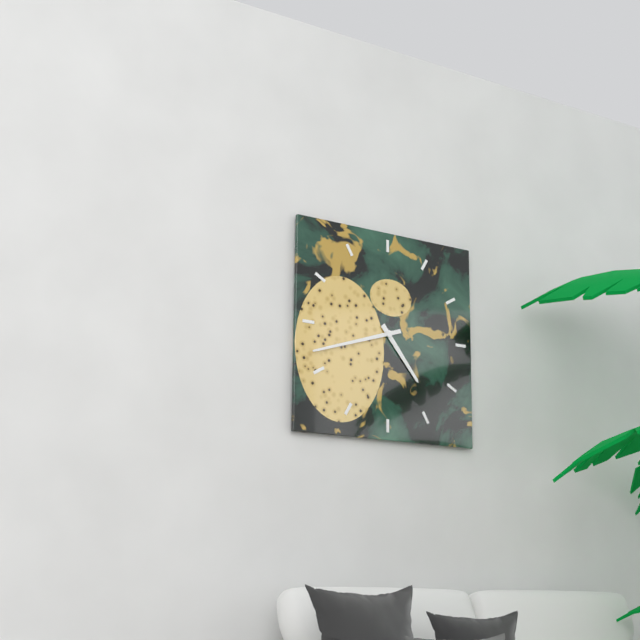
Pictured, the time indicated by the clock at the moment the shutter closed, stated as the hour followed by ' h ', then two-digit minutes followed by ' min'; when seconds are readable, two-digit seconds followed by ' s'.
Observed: 4 h 42 min
